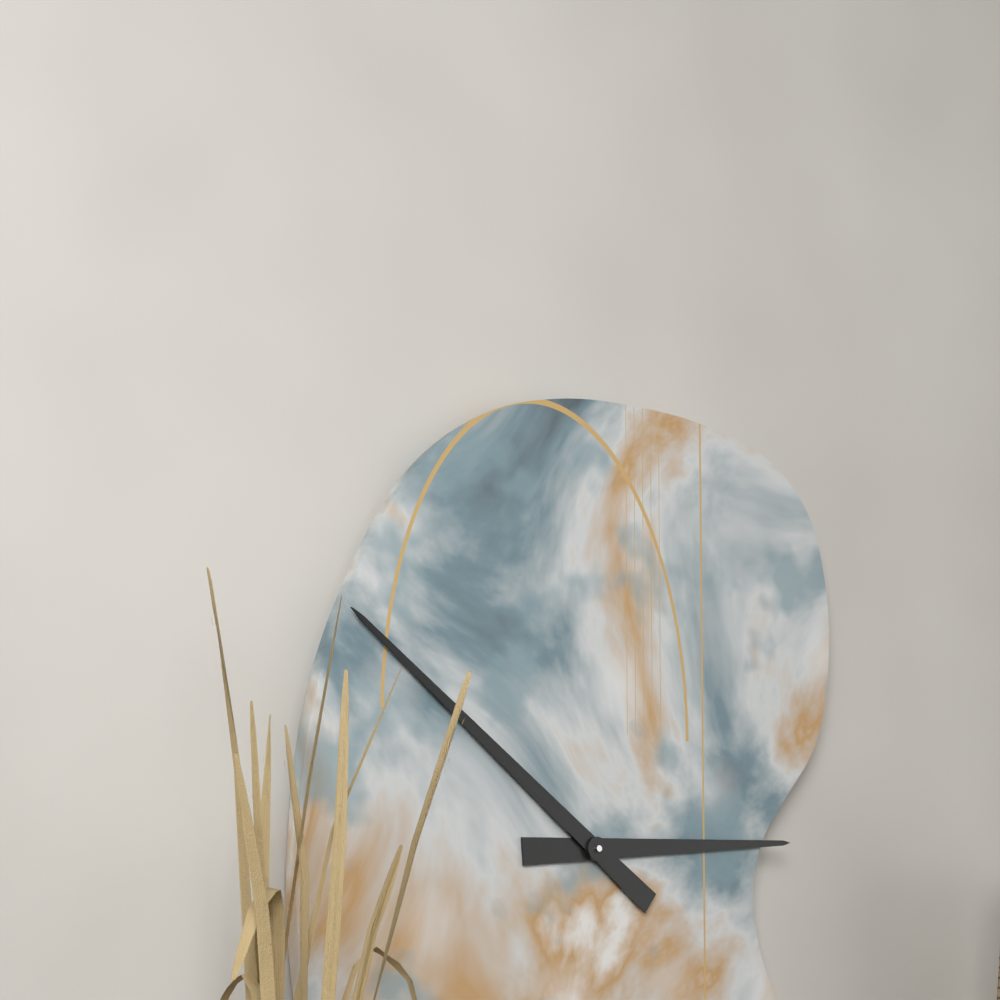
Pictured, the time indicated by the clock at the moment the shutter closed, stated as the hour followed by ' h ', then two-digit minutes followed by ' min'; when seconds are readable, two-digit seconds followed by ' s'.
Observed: 2 h 51 min
